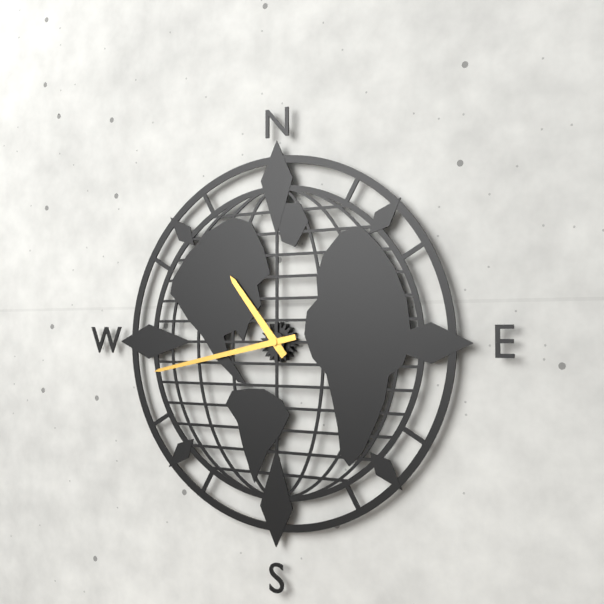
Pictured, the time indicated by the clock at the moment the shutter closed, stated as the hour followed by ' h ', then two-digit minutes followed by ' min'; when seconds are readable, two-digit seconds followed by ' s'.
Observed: 10 h 43 min
